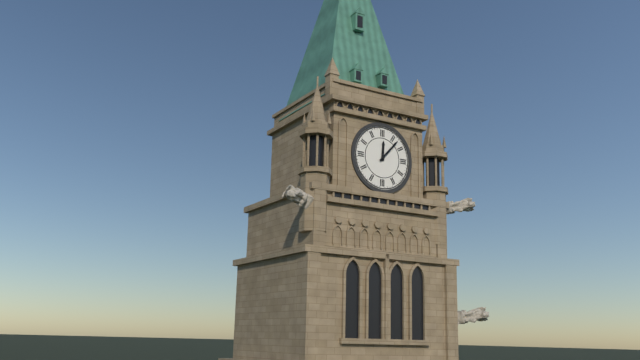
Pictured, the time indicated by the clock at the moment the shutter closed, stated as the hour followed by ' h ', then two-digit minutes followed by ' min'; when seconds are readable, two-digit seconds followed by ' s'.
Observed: 12 h 07 min
